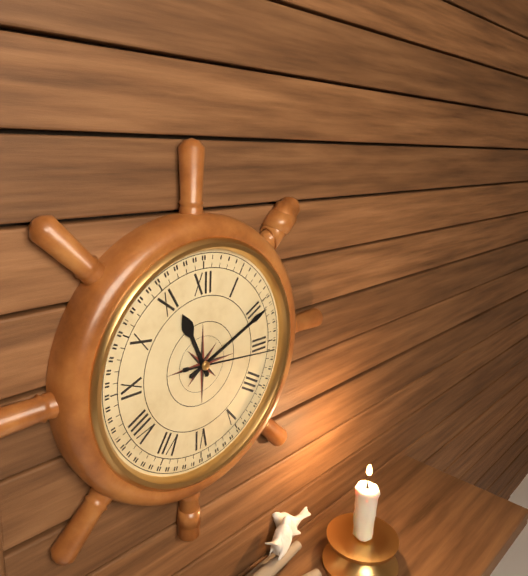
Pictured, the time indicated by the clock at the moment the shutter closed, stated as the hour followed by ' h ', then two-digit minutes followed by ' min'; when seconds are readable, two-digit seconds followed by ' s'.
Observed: 11 h 11 min 16 s
